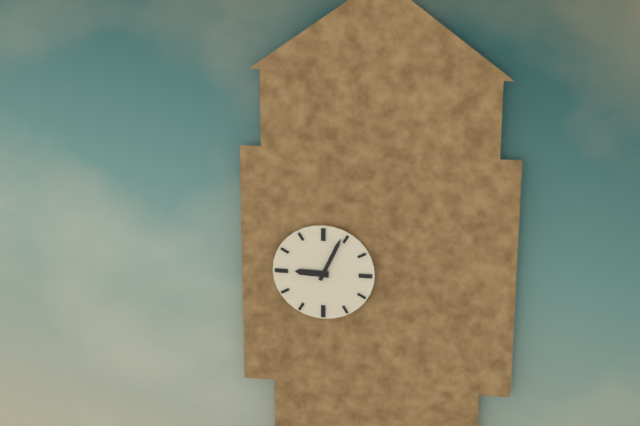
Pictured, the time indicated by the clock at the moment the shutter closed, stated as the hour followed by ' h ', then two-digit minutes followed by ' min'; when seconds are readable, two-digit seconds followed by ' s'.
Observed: 9 h 04 min
